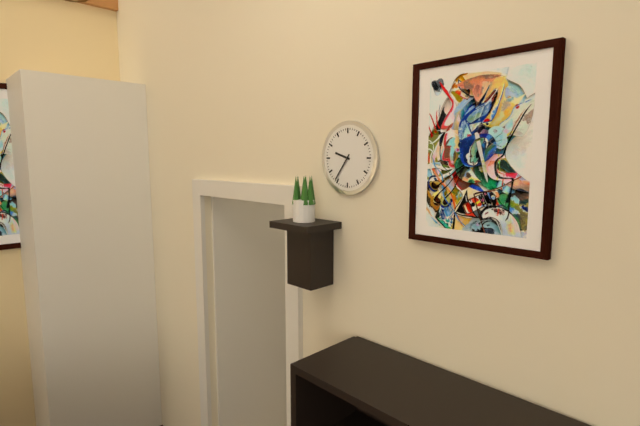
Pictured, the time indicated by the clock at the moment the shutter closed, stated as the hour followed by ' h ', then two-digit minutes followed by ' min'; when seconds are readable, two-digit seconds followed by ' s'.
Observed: 9 h 36 min
